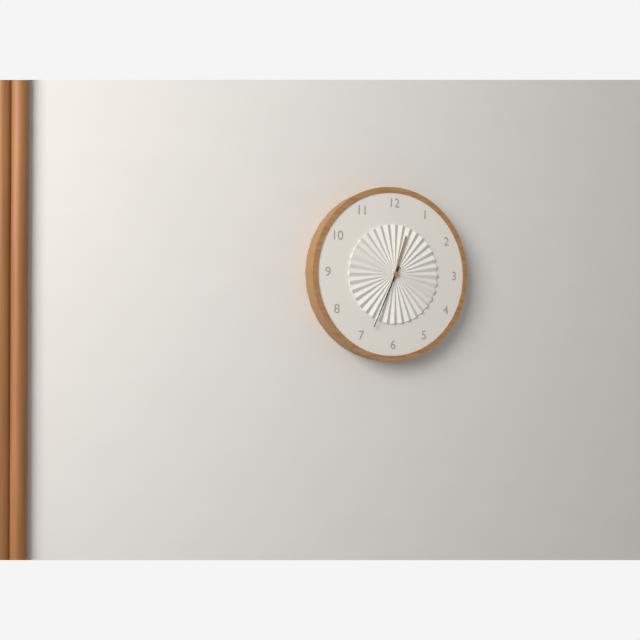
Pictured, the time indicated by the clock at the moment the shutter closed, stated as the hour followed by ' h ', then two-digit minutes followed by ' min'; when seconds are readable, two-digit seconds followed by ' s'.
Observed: 12 h 34 min
